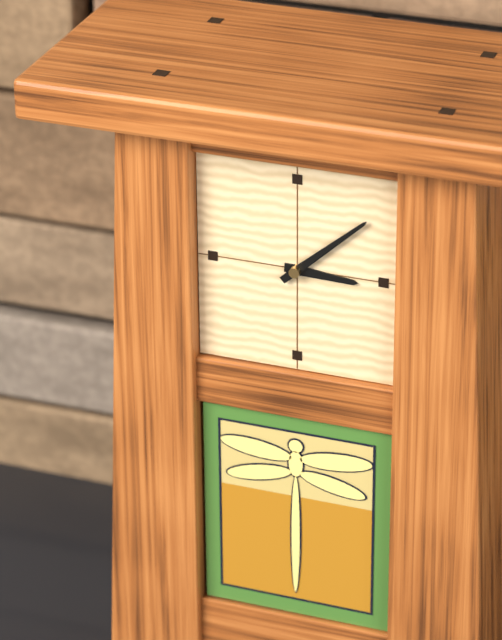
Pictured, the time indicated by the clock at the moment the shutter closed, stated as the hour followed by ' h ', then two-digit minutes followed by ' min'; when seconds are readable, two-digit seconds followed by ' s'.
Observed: 3 h 08 min
